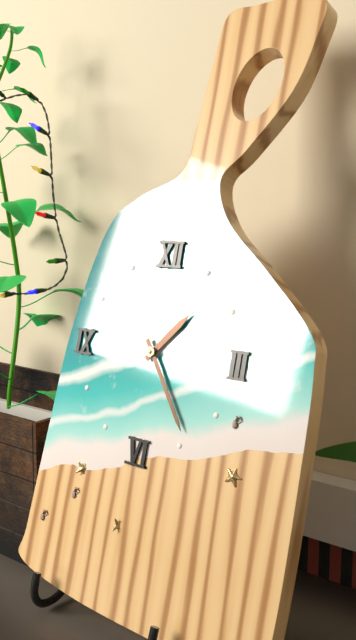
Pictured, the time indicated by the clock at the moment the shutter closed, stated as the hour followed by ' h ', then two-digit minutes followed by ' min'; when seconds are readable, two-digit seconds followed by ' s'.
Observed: 1 h 24 min
